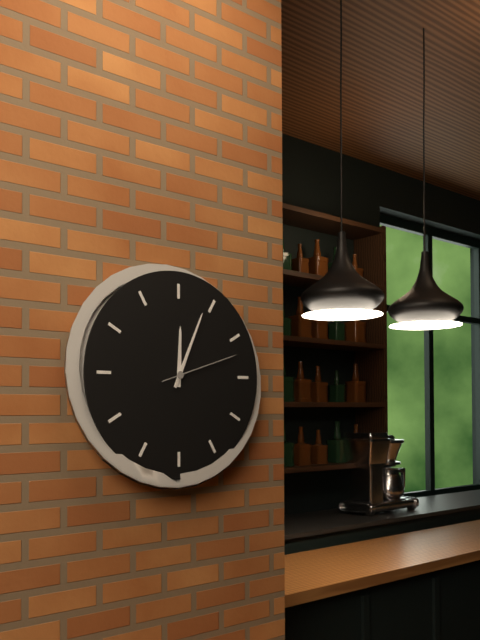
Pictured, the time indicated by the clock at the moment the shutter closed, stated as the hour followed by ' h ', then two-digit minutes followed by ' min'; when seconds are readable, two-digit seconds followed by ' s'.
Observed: 12 h 04 min 12 s
